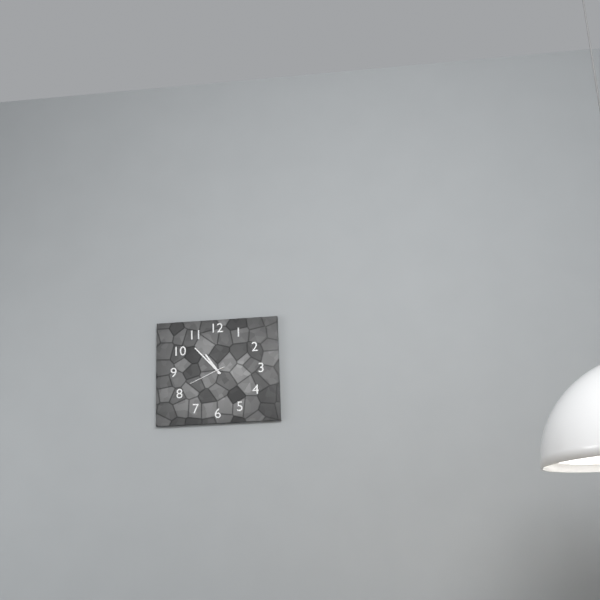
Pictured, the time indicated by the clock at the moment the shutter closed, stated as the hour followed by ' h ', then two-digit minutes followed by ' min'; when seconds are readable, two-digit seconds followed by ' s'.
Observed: 10 h 53 min
